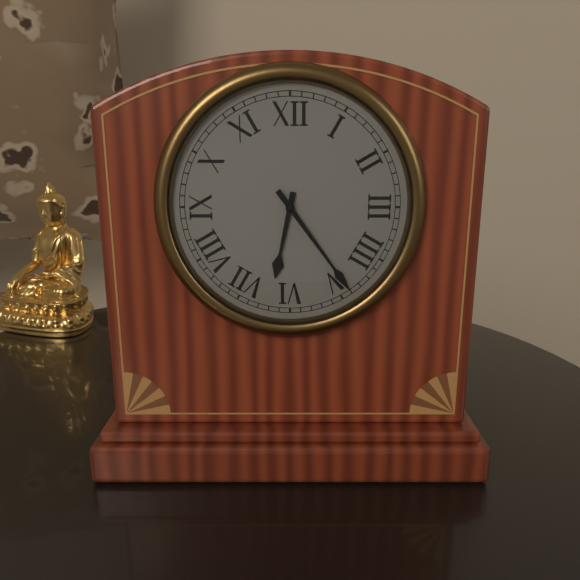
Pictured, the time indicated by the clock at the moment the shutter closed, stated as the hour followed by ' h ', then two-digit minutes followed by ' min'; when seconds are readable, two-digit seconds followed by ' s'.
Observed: 6 h 24 min
